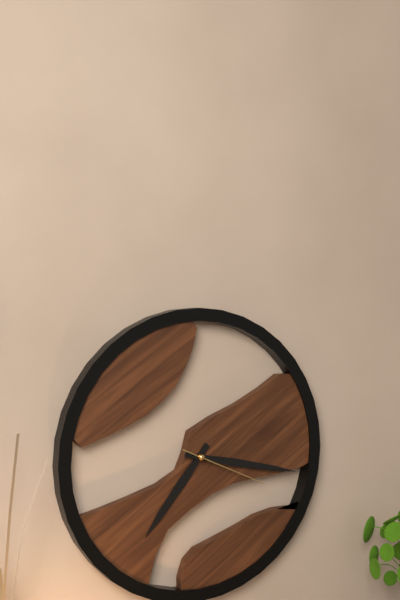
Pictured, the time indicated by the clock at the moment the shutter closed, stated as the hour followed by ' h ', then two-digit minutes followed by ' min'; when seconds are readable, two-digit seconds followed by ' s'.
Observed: 7 h 17 min 19 s
